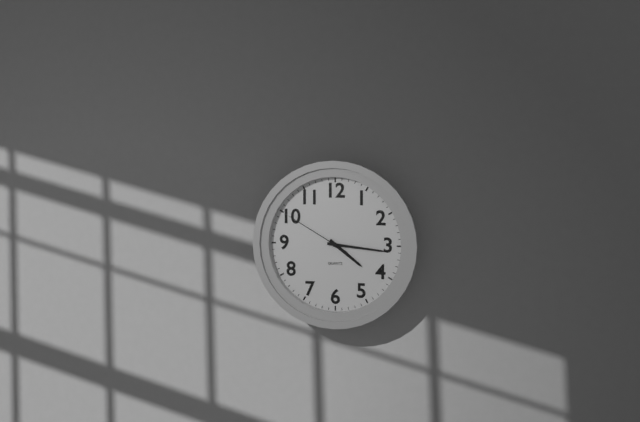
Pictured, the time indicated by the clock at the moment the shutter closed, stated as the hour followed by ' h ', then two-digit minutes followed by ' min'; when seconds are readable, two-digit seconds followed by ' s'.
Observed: 4 h 16 min 50 s
